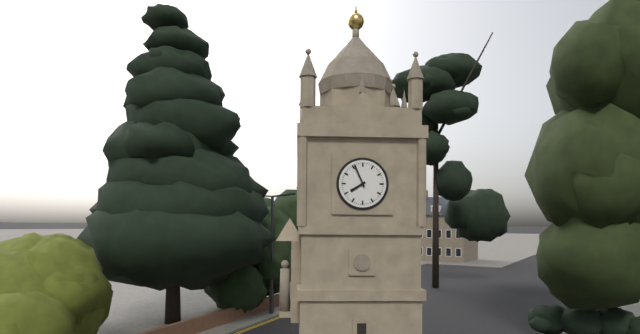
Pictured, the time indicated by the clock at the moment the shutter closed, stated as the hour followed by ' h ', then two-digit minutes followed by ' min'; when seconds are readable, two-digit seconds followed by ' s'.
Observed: 7 h 56 min
